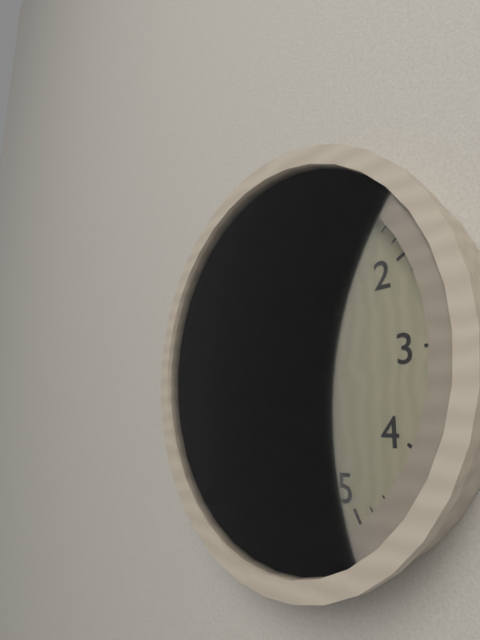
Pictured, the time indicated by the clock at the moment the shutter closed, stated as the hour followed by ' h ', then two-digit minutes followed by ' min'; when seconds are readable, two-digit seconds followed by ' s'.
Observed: 6 h 42 min 42 s
